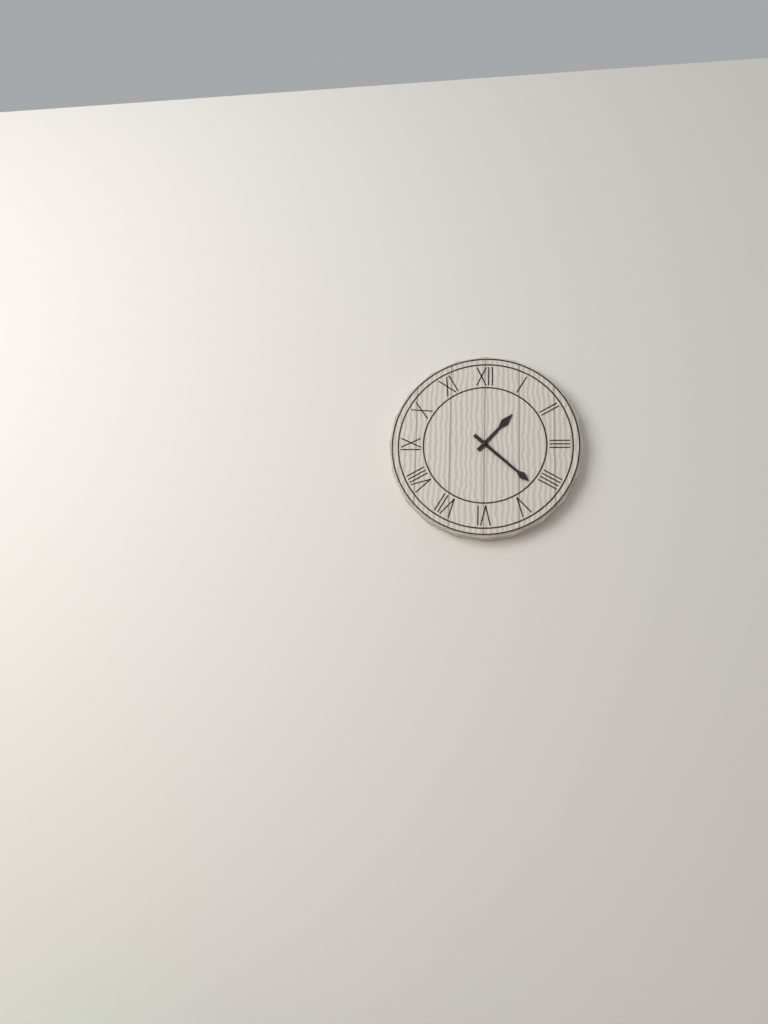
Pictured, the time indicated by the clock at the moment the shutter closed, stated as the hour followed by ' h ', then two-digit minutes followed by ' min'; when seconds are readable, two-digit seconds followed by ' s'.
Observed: 1 h 22 min
